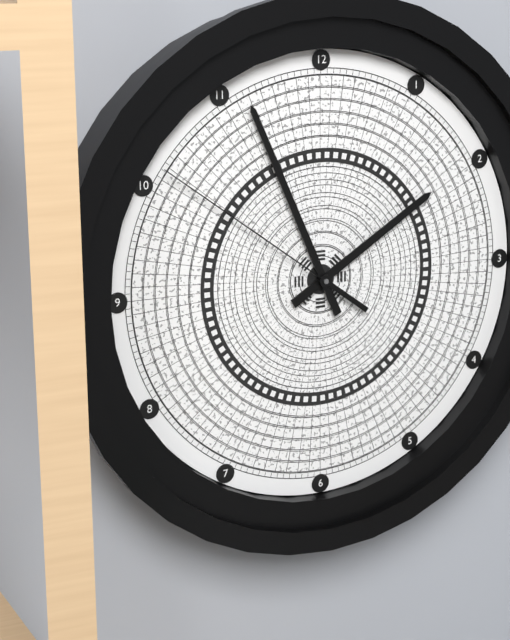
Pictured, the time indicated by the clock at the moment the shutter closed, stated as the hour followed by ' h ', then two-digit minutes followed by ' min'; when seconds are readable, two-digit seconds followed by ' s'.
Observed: 1 h 56 min 51 s
